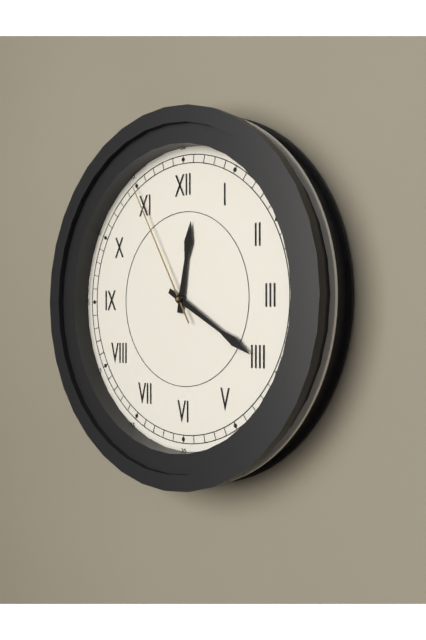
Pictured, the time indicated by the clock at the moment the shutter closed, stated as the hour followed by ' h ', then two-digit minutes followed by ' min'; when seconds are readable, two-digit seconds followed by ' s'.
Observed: 12 h 20 min 55 s
